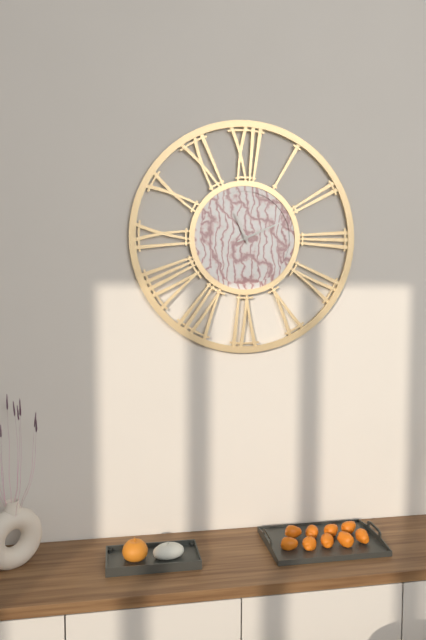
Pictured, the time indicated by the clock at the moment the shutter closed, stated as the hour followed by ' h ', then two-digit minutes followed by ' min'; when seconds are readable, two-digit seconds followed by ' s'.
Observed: 11 h 11 min
